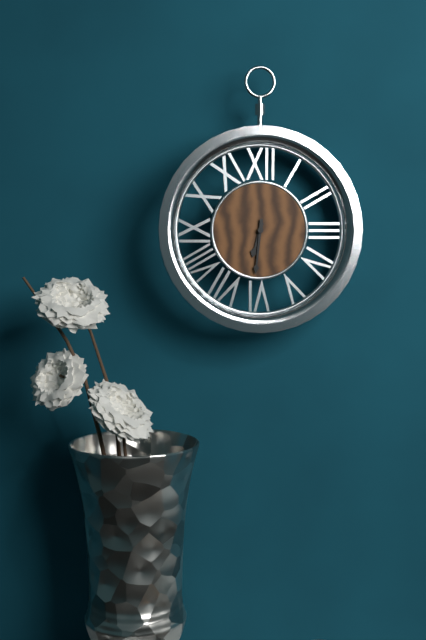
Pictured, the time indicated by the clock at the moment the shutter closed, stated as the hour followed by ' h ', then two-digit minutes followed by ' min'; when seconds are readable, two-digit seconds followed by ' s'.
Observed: 6 h 31 min
